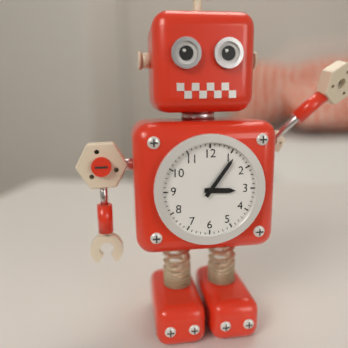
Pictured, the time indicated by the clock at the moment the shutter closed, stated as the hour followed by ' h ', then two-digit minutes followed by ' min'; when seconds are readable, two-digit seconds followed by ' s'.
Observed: 3 h 06 min
